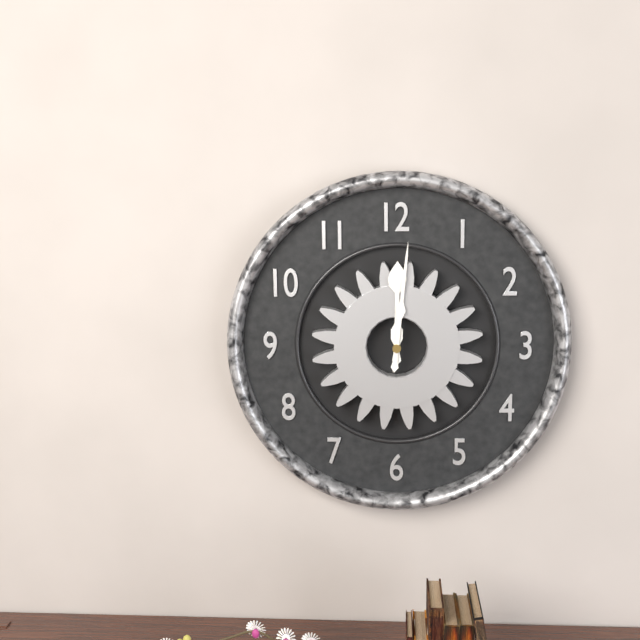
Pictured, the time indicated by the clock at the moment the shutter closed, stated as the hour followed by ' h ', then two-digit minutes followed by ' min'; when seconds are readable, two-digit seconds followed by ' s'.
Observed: 12 h 01 min
